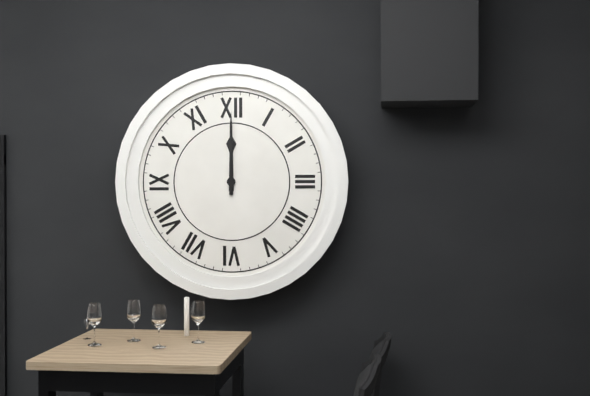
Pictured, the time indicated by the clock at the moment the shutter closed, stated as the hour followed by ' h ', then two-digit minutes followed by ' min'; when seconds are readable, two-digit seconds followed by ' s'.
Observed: 12 h 00 min
